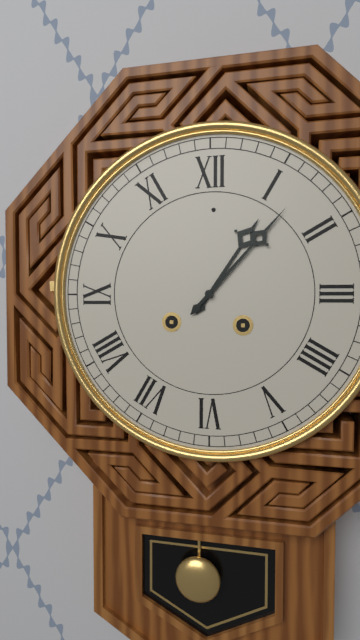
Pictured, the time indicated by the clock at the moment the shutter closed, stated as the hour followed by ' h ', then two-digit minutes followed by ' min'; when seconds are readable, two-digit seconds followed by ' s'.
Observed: 1 h 07 min
